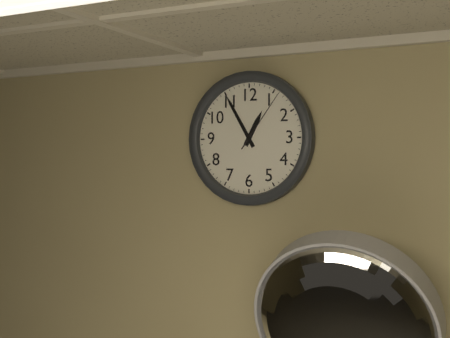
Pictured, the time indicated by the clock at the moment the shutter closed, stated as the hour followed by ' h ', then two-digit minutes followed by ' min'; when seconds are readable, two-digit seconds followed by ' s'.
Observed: 12 h 55 min 06 s
